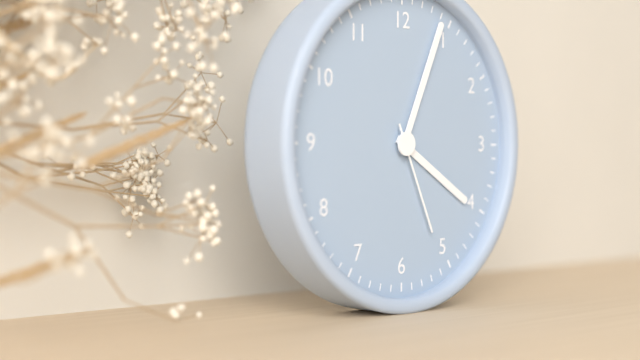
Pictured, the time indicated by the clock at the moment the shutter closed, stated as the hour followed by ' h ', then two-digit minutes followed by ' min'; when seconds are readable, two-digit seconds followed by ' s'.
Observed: 4 h 04 min 26 s
